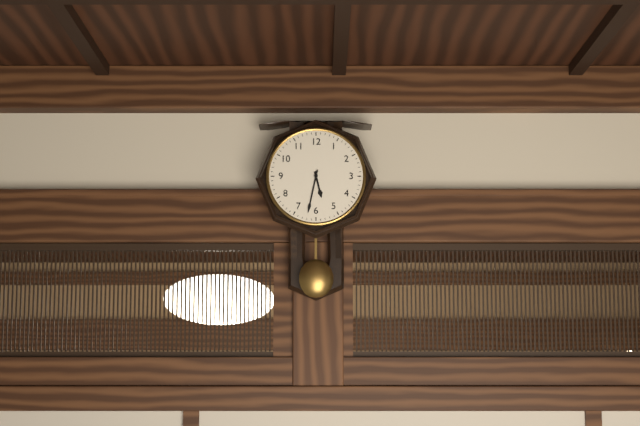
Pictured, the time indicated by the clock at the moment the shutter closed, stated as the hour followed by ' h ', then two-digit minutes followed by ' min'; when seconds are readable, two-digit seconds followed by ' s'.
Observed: 5 h 32 min
